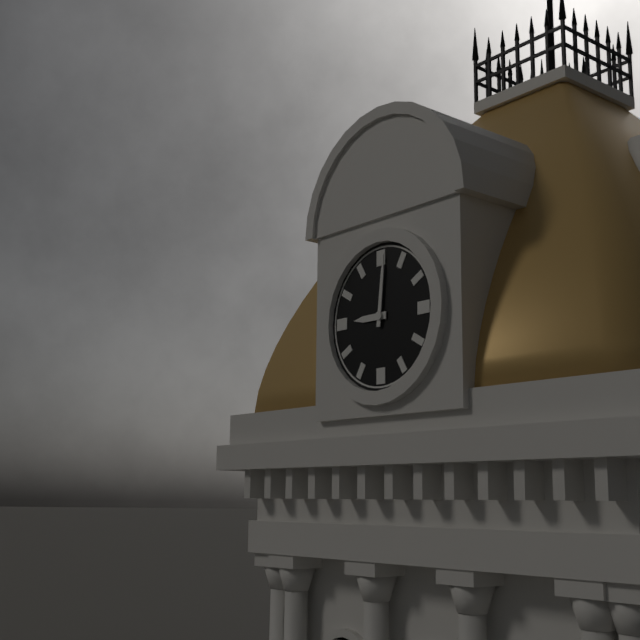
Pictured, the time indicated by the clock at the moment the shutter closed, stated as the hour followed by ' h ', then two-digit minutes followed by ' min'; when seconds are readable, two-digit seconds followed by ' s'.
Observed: 9 h 01 min
